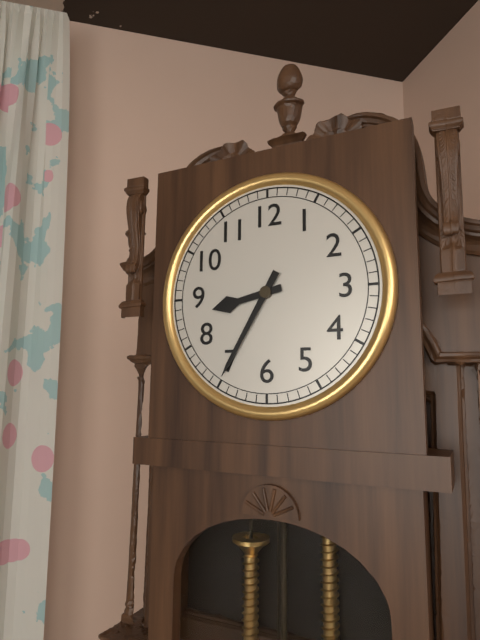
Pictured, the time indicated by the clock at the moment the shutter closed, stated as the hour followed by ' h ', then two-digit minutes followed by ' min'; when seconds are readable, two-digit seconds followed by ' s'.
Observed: 8 h 35 min
